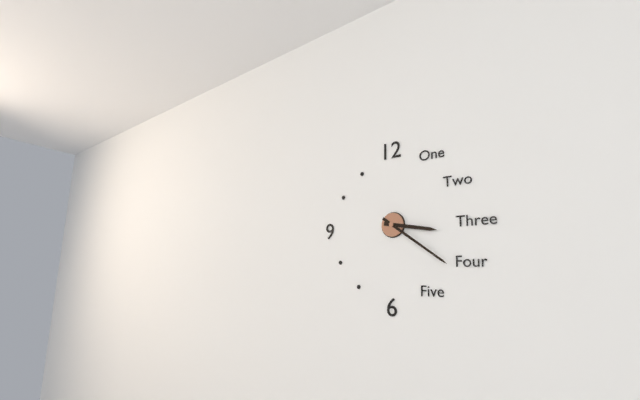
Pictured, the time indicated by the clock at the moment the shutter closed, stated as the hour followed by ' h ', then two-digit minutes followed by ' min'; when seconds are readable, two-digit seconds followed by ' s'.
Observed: 3 h 21 min
